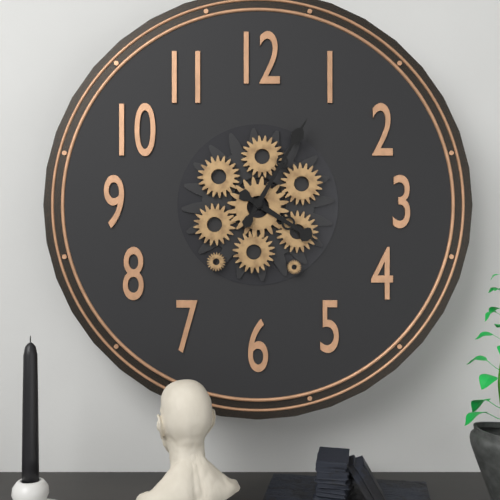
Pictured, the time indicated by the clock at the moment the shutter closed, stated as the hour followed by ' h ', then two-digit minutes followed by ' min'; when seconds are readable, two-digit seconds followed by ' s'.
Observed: 4 h 05 min
